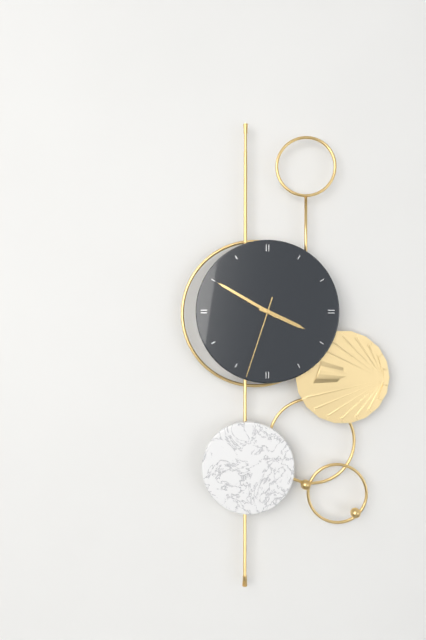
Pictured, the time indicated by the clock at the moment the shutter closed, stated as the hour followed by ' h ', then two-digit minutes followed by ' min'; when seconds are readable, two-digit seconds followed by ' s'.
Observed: 3 h 50 min 33 s
